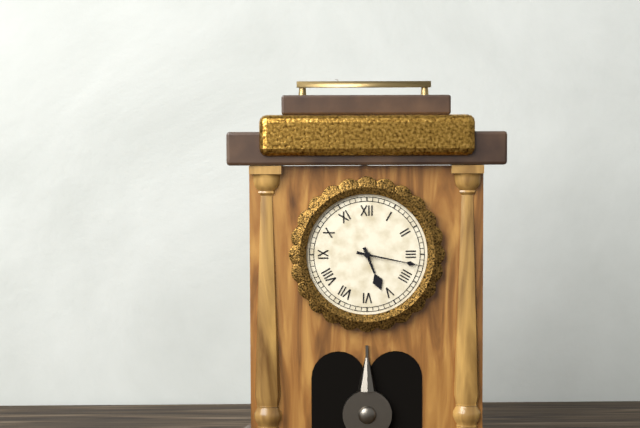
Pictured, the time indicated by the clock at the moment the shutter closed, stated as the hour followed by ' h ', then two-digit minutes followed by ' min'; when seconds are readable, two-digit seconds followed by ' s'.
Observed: 5 h 17 min
